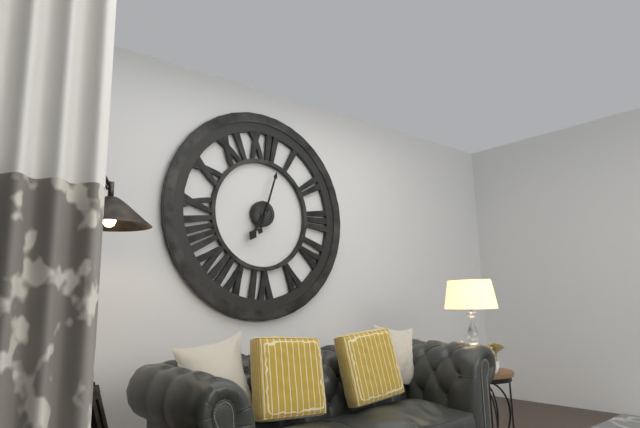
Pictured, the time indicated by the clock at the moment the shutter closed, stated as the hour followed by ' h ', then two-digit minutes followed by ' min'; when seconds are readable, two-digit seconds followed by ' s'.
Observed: 7 h 03 min
